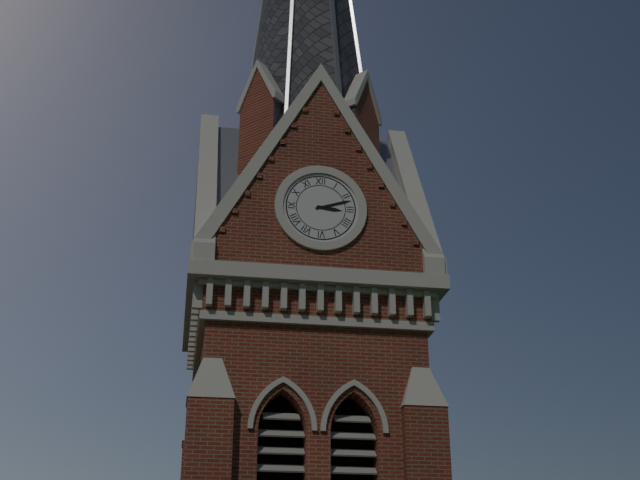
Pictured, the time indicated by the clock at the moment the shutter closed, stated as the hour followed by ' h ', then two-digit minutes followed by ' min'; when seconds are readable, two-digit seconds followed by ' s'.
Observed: 3 h 12 min
